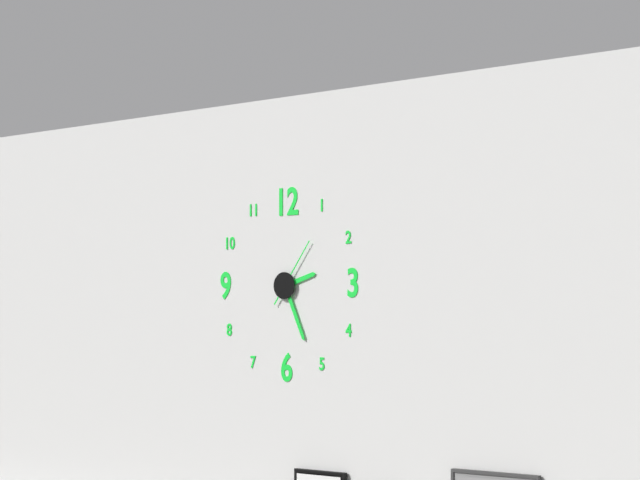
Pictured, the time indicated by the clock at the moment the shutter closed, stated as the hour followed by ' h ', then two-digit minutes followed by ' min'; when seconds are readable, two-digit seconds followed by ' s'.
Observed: 2 h 26 min 06 s
